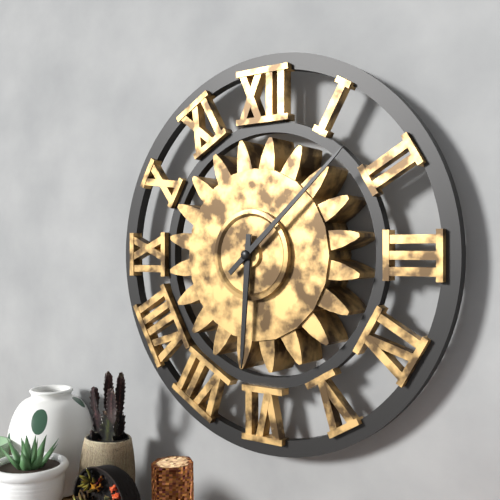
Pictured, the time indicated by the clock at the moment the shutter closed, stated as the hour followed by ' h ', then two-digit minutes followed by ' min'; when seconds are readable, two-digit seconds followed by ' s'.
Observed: 6 h 08 min
